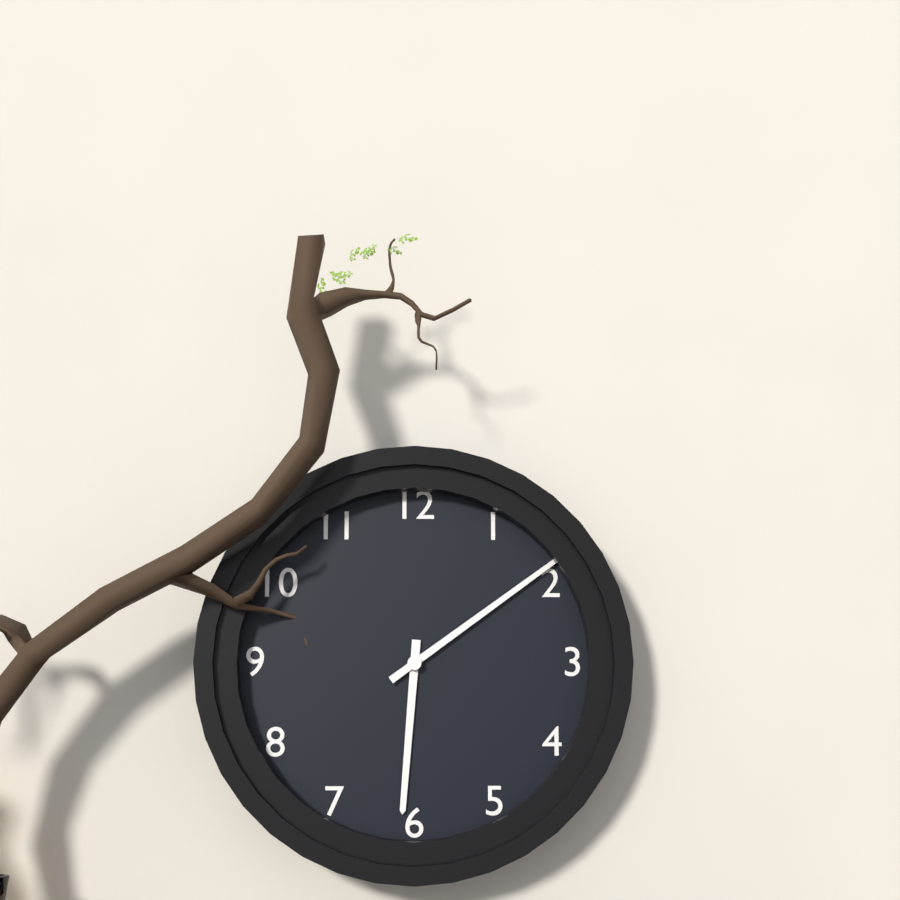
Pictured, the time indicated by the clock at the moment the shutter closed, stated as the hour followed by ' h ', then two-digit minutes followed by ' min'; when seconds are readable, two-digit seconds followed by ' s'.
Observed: 6 h 09 min
